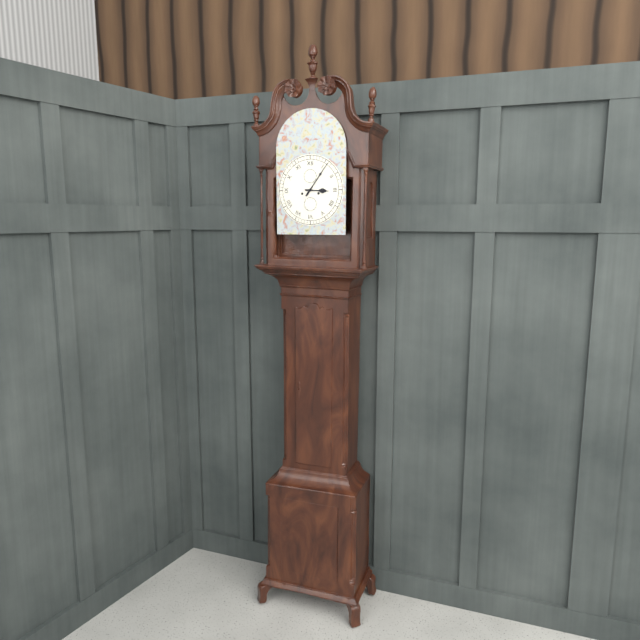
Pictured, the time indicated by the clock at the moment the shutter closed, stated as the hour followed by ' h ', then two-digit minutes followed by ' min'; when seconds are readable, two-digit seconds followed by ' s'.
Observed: 3 h 06 min
